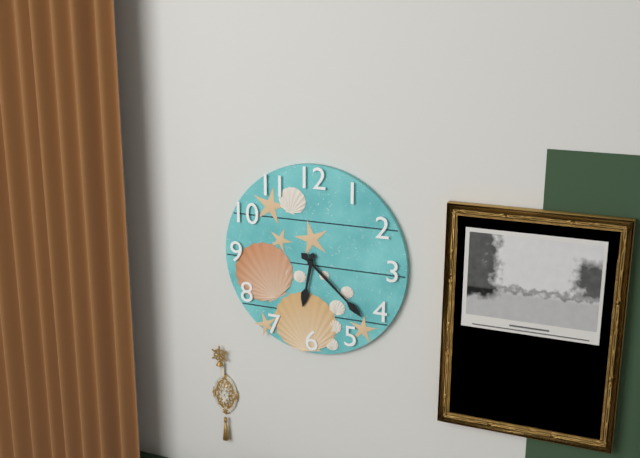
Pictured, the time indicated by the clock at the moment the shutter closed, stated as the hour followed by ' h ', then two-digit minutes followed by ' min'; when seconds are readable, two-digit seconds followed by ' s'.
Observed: 6 h 22 min
